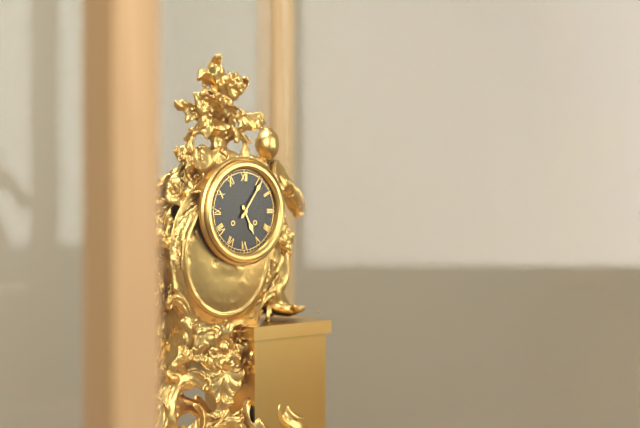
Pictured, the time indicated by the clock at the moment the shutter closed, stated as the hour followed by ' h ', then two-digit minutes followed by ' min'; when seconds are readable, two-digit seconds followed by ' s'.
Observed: 5 h 06 min
